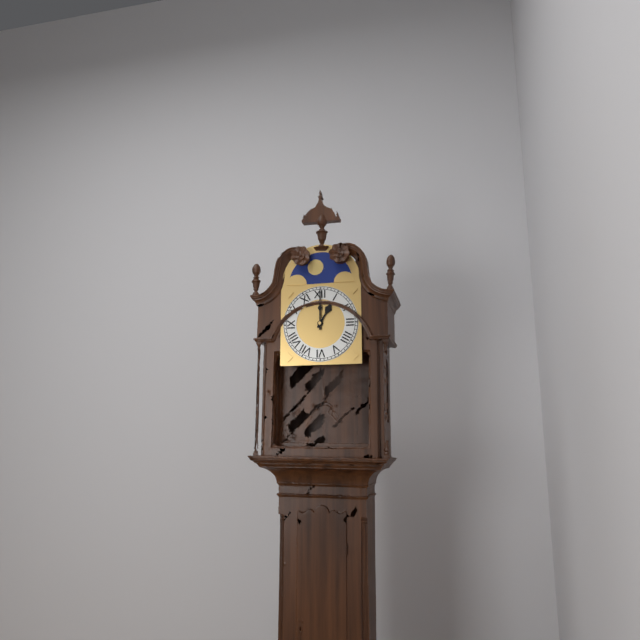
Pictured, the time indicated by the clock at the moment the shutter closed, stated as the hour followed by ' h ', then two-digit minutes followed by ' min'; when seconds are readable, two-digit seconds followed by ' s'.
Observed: 1 h 00 min
